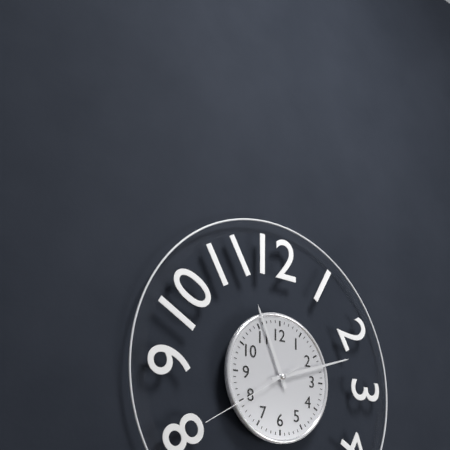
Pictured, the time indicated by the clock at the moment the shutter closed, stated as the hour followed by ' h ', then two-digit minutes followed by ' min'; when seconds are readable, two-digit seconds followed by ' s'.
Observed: 11 h 12 min 40 s
